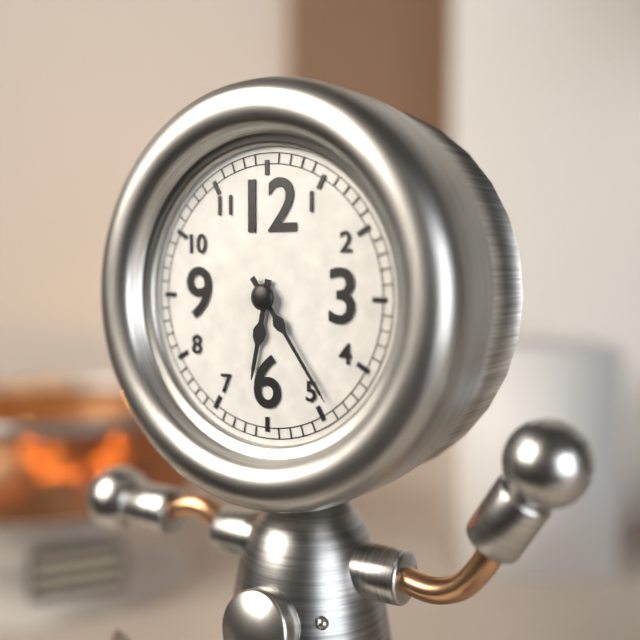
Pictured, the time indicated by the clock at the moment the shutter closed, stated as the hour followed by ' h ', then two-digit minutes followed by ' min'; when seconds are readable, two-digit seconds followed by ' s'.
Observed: 6 h 24 min
